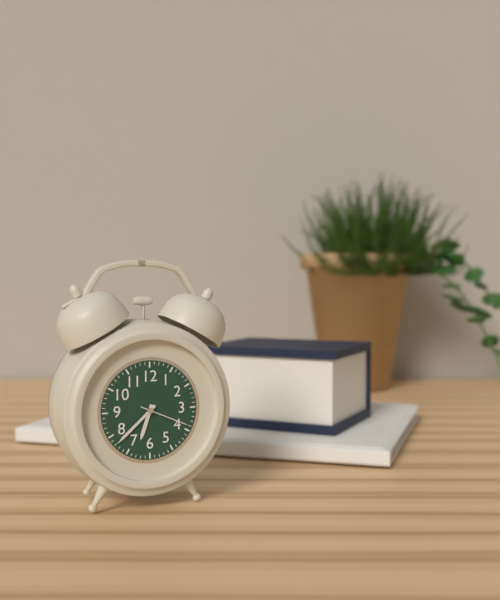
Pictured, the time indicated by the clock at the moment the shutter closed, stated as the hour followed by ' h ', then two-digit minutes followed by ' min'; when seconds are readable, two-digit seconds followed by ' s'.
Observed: 6 h 38 min 19 s
